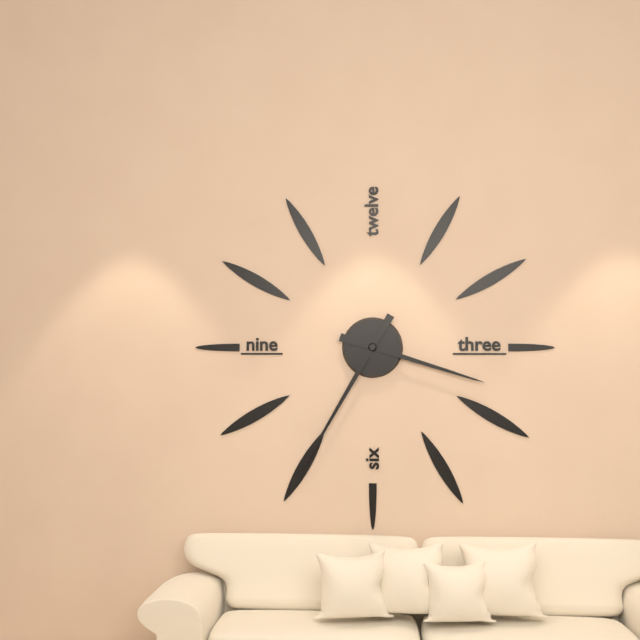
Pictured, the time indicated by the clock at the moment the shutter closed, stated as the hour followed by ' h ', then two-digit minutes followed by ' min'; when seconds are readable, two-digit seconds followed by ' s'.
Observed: 3 h 35 min
